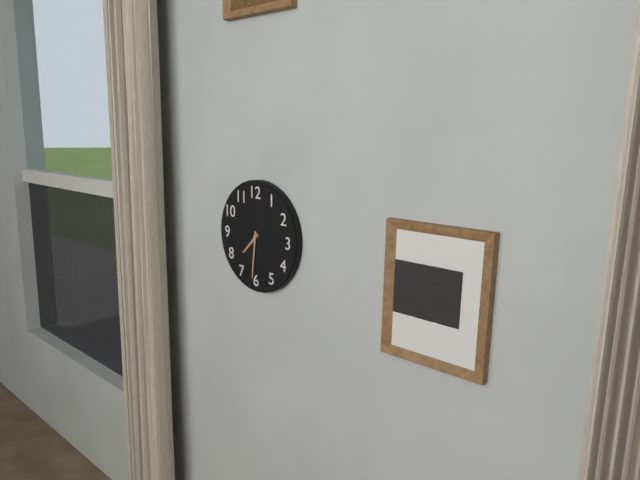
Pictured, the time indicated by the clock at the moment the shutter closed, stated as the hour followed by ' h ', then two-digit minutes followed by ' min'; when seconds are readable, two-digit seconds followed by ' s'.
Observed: 7 h 31 min
